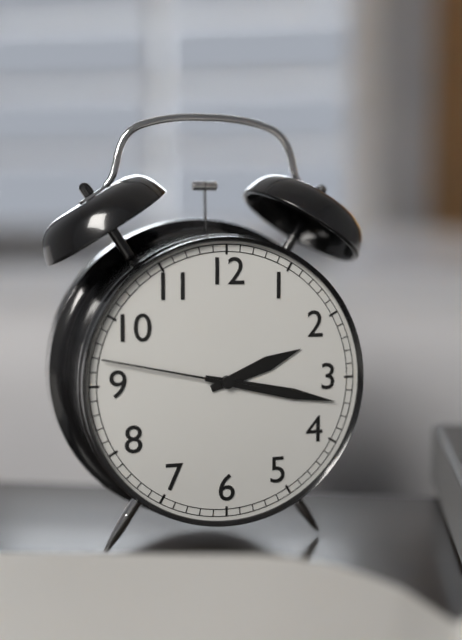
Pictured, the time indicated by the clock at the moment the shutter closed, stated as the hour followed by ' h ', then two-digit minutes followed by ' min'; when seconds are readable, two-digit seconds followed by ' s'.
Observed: 2 h 17 min 47 s
